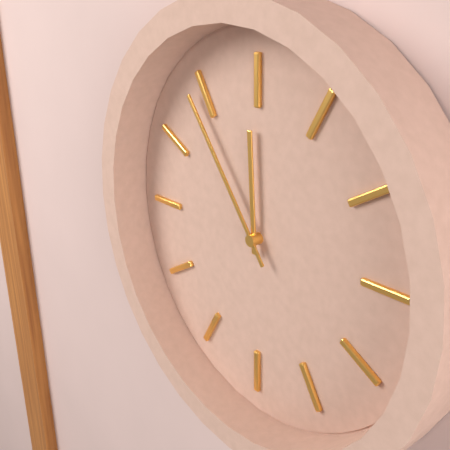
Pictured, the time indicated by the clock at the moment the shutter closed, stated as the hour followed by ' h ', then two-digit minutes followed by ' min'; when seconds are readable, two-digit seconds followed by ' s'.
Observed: 11 h 54 min
